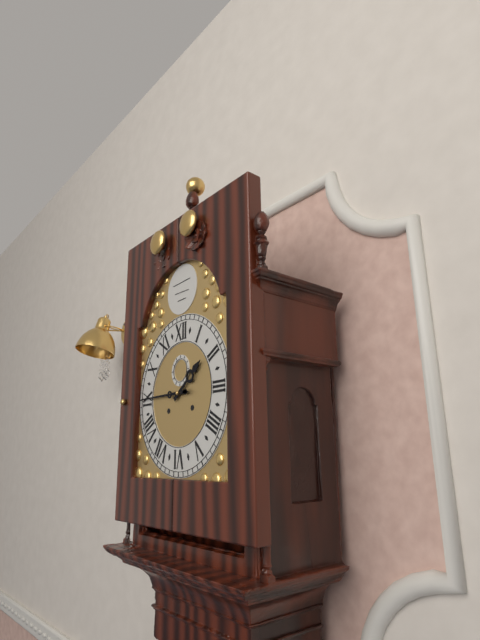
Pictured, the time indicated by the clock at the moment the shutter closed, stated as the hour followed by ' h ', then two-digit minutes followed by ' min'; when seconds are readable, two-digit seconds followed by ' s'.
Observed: 1 h 45 min
